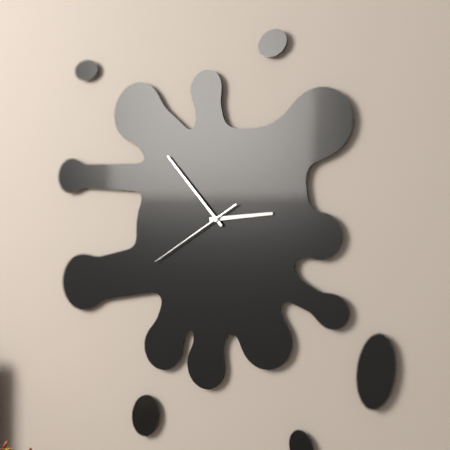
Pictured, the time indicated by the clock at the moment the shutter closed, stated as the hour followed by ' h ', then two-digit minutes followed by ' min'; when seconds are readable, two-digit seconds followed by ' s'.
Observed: 2 h 53 min 40 s
